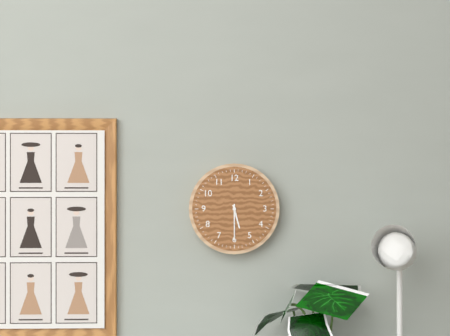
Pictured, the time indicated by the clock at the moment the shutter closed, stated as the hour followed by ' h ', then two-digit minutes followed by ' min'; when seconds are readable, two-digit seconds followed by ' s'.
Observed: 5 h 30 min
